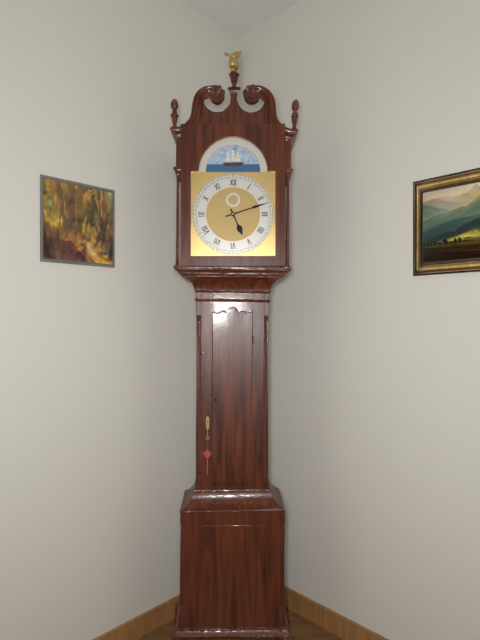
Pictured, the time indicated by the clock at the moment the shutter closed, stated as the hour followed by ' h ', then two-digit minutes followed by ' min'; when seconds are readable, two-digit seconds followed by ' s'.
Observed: 5 h 12 min
